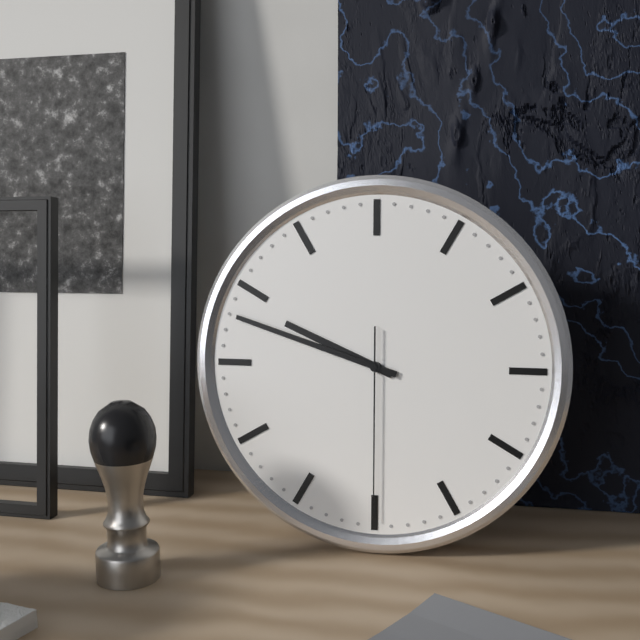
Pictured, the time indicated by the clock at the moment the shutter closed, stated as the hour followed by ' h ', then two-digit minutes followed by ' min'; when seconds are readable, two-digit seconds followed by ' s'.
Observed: 9 h 48 min 30 s
